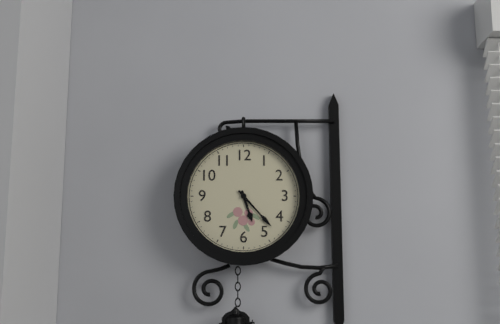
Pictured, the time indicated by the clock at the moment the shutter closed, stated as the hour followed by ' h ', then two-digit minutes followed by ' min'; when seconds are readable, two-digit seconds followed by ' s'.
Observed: 5 h 23 min
